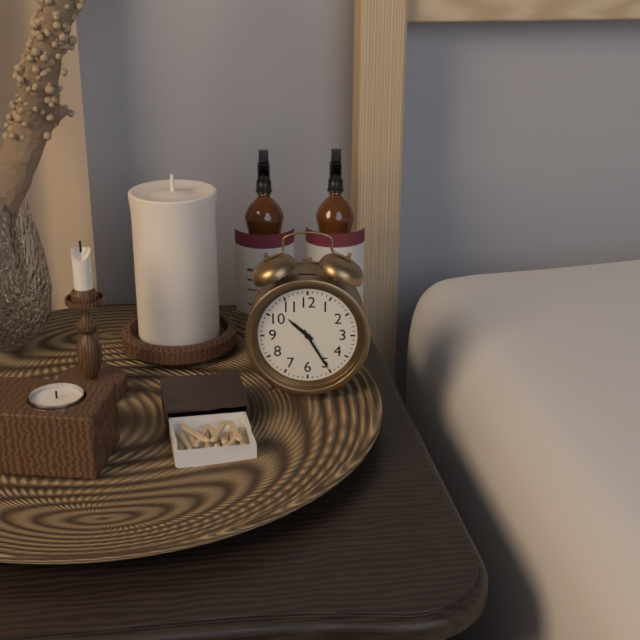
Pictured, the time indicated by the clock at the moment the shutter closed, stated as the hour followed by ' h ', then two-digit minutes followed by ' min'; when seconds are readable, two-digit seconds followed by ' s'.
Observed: 10 h 25 min
